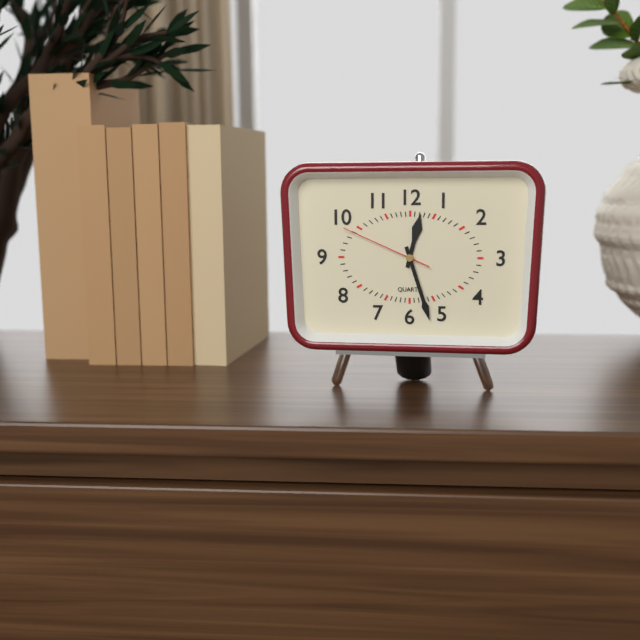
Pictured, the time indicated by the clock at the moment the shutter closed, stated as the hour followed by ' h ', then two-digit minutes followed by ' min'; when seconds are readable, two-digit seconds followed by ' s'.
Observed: 12 h 27 min 49 s
